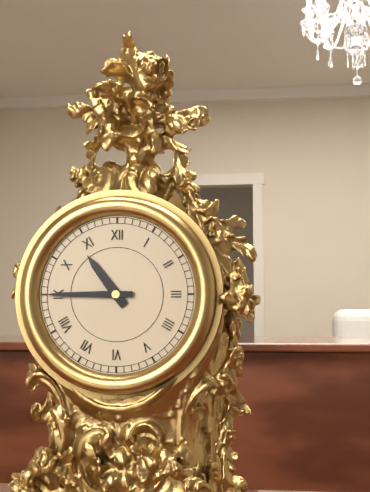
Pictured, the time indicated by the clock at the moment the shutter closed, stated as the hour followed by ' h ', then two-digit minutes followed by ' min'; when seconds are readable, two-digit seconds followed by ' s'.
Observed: 10 h 45 min
